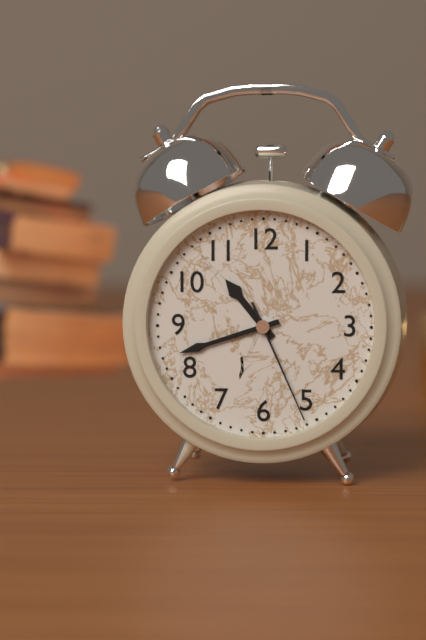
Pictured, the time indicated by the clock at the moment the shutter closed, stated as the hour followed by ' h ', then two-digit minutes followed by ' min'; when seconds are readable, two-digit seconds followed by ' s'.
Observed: 10 h 42 min 26 s
